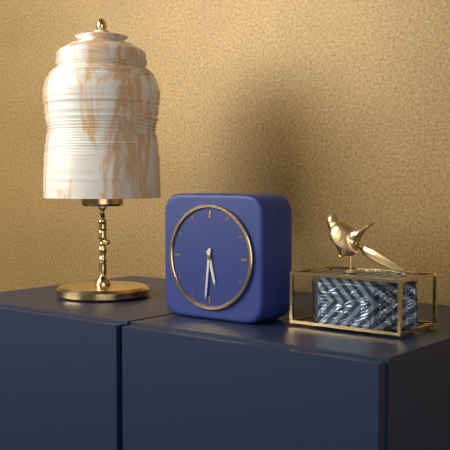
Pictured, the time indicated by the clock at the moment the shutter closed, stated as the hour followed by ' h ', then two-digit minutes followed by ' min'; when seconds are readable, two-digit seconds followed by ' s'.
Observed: 5 h 31 min
